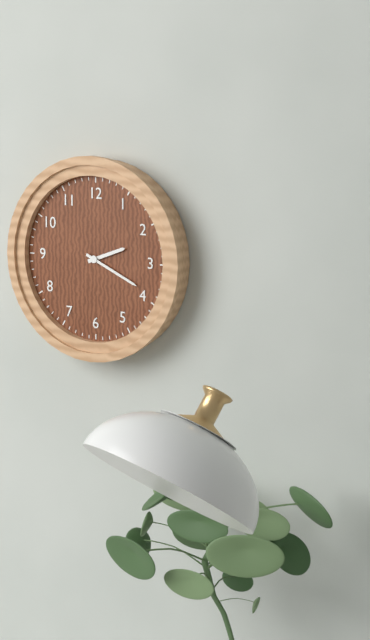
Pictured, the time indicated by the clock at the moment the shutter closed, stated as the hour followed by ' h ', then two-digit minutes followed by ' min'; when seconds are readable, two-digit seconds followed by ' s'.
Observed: 2 h 19 min
